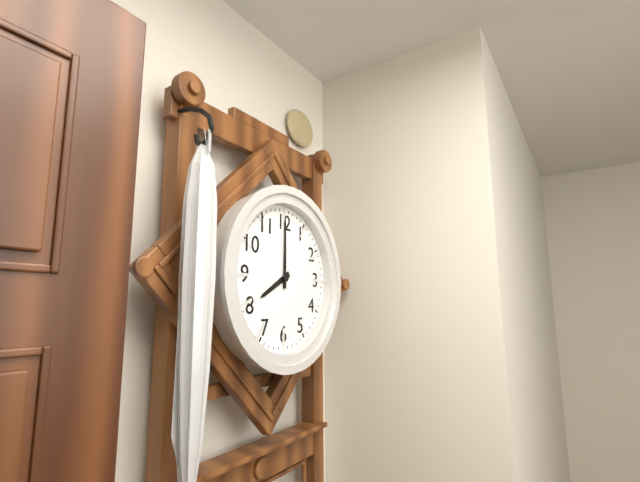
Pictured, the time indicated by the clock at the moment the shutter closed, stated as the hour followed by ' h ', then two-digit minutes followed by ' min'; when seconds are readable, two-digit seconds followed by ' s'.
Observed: 8 h 00 min
